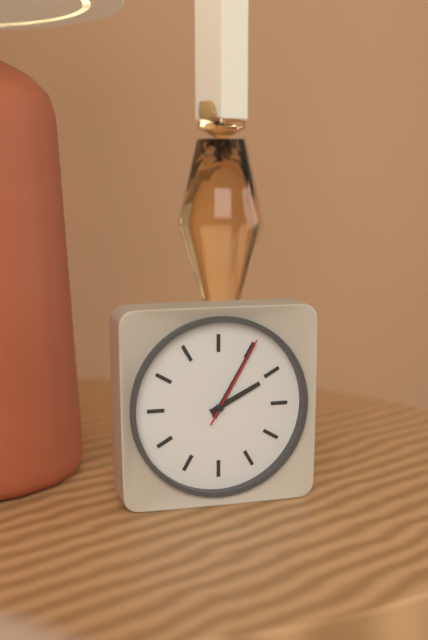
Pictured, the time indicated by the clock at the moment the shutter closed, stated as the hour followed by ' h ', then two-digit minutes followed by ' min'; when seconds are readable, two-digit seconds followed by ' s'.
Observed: 2 h 05 min 05 s
